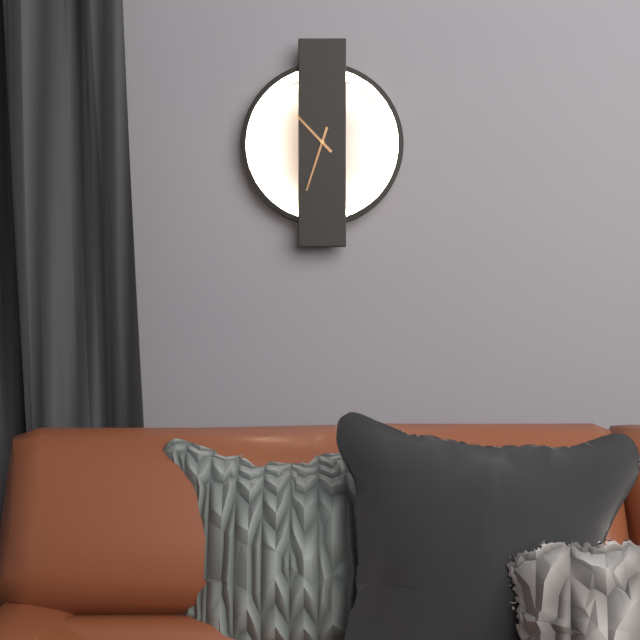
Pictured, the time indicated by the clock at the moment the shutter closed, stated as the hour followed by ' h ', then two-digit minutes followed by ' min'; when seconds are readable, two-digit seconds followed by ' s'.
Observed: 10 h 33 min
